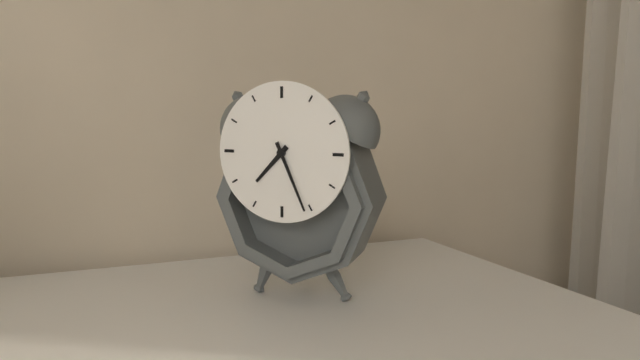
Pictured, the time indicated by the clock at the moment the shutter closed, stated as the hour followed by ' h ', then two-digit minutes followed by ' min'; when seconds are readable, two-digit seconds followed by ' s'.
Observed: 7 h 26 min
